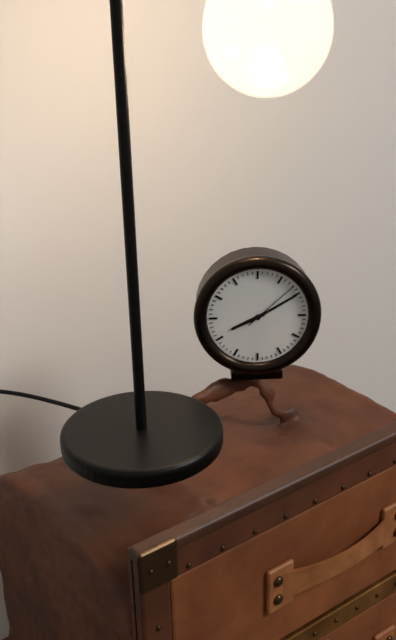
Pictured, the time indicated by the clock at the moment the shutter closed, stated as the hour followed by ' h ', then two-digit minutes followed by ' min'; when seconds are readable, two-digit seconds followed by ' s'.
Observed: 8 h 10 min 08 s
